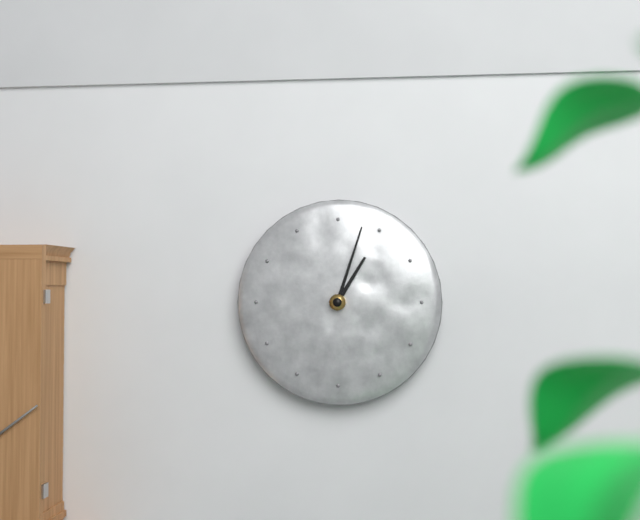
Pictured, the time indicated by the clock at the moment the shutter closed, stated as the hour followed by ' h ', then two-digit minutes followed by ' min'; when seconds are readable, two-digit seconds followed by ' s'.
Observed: 1 h 03 min
